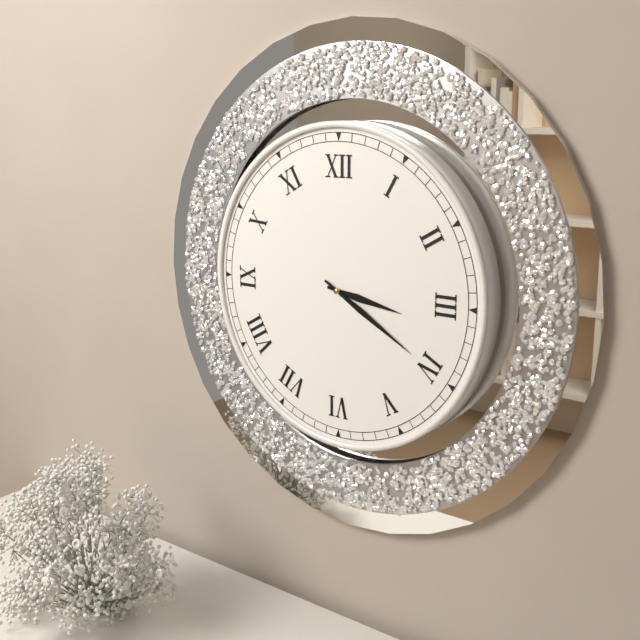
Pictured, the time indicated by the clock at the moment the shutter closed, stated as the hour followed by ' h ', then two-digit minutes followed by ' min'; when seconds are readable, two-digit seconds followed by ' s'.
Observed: 3 h 20 min
